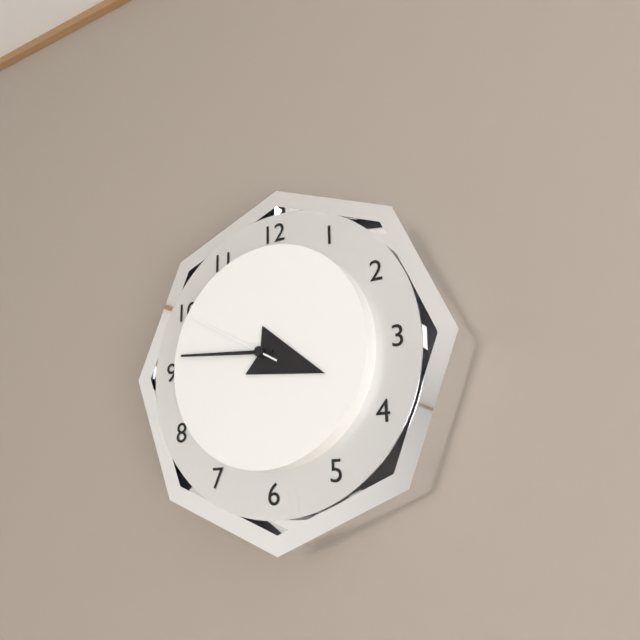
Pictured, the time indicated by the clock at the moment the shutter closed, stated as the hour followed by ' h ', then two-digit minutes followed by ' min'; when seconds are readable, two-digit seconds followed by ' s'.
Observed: 3 h 46 min 50 s
